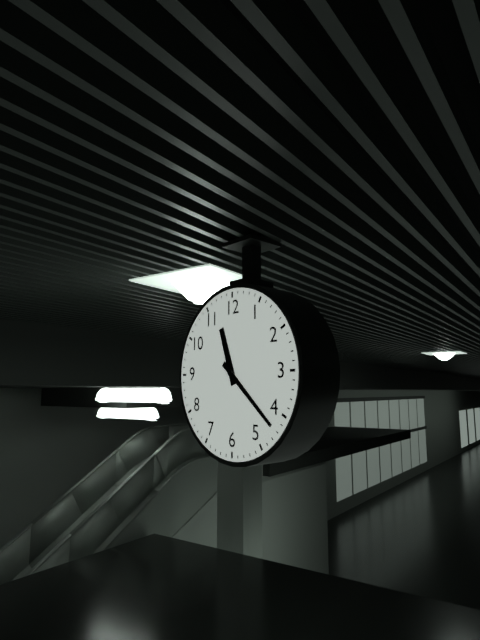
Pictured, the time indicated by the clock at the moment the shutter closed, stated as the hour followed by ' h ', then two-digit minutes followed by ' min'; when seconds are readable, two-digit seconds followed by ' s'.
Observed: 11 h 22 min
